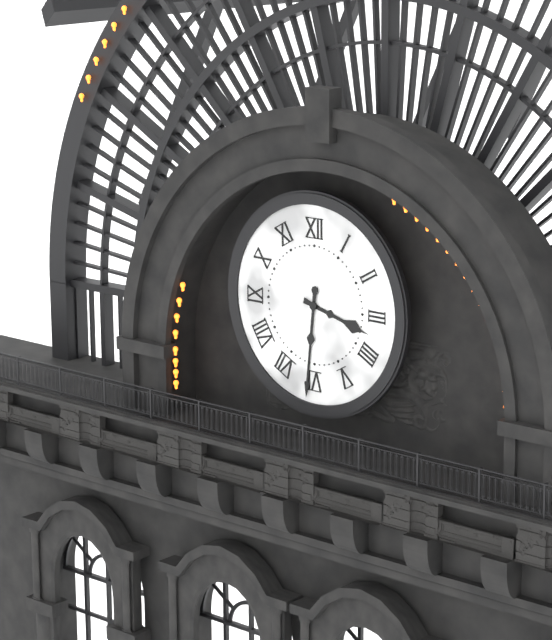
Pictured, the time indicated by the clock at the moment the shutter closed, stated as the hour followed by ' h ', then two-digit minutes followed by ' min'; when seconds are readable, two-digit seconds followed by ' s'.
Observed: 3 h 31 min
